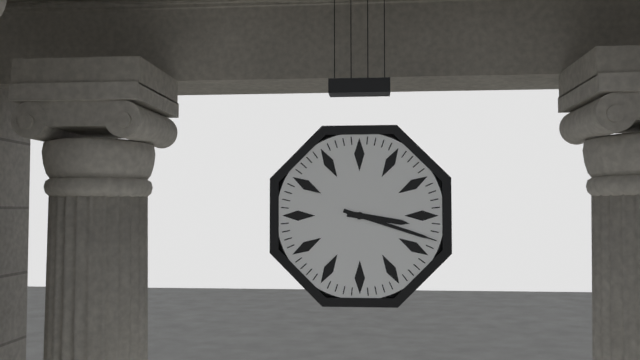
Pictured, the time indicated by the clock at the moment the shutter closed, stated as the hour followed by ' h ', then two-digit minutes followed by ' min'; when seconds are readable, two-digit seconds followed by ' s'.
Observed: 3 h 18 min
